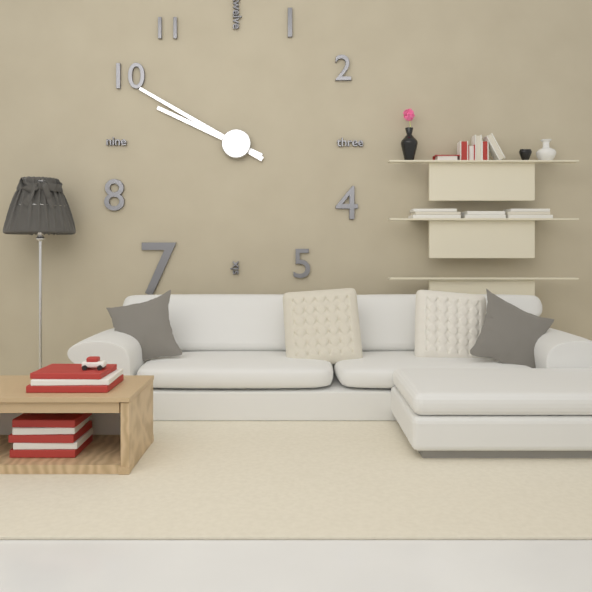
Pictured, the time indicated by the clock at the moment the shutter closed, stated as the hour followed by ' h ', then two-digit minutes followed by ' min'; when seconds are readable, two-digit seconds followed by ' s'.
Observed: 9 h 50 min
